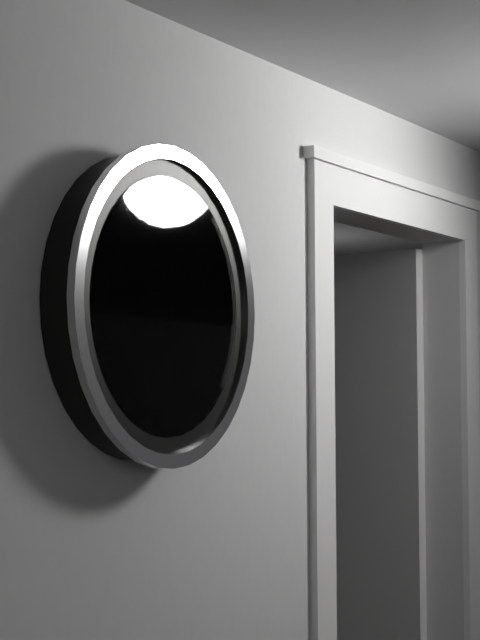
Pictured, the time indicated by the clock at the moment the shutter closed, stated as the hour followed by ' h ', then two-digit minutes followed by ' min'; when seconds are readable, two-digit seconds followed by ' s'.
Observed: 1 h 27 min
